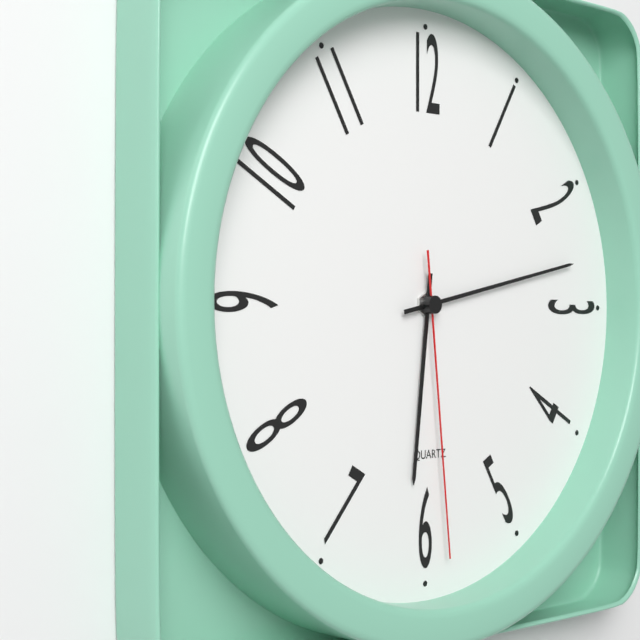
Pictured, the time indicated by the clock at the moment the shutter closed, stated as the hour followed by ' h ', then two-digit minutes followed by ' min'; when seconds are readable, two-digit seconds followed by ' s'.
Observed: 6 h 13 min 29 s
